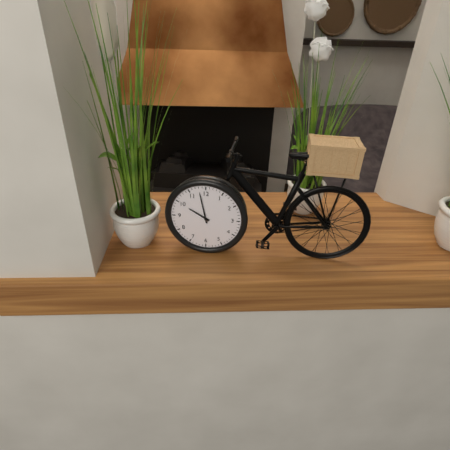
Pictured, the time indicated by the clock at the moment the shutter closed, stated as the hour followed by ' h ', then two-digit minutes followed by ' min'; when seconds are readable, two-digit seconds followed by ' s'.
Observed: 9 h 58 min
